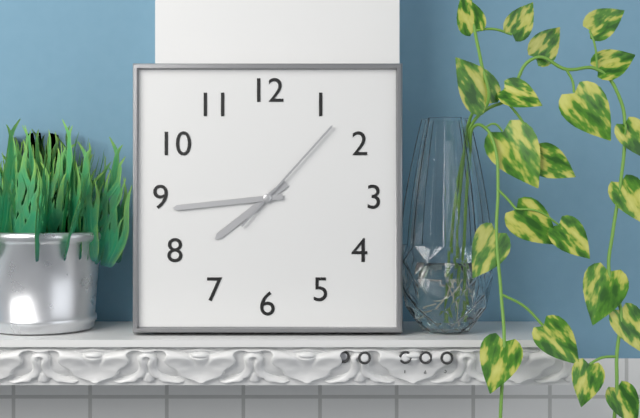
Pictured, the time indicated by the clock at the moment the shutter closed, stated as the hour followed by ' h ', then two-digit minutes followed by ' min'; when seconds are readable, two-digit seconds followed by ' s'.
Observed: 7 h 44 min 07 s
